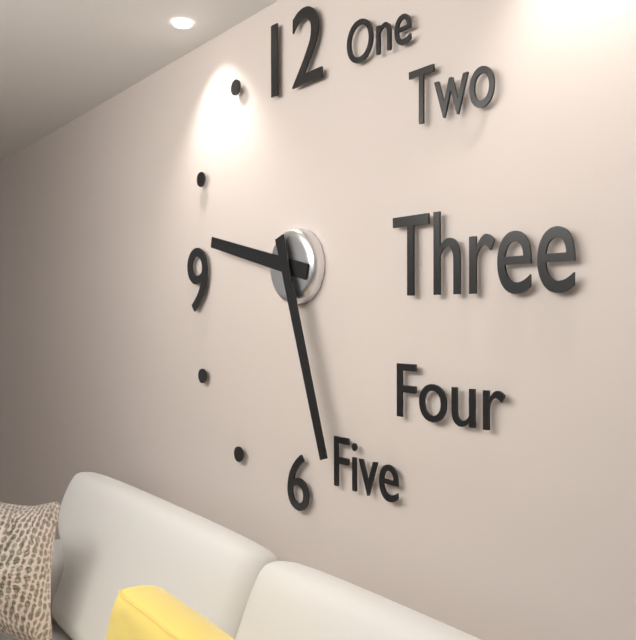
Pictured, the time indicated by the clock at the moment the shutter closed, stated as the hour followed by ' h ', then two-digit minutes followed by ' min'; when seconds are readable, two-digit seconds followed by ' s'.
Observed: 9 h 27 min
